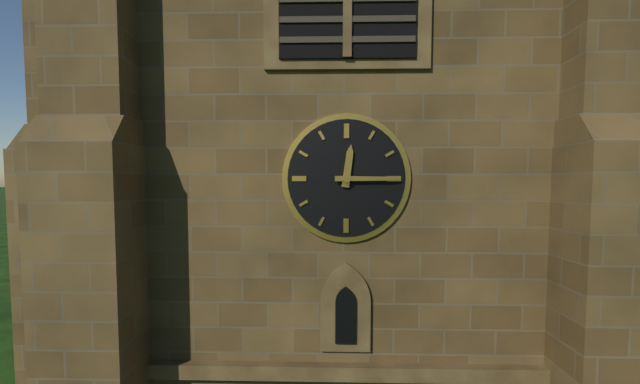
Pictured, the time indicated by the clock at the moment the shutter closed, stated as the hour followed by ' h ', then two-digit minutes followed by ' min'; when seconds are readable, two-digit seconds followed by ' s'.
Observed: 12 h 15 min
